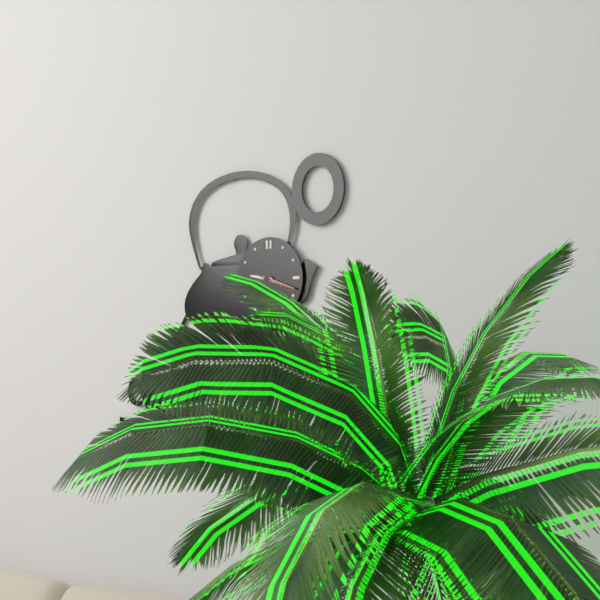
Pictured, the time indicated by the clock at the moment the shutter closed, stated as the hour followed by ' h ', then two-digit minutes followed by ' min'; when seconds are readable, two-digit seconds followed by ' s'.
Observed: 9 h 18 min
